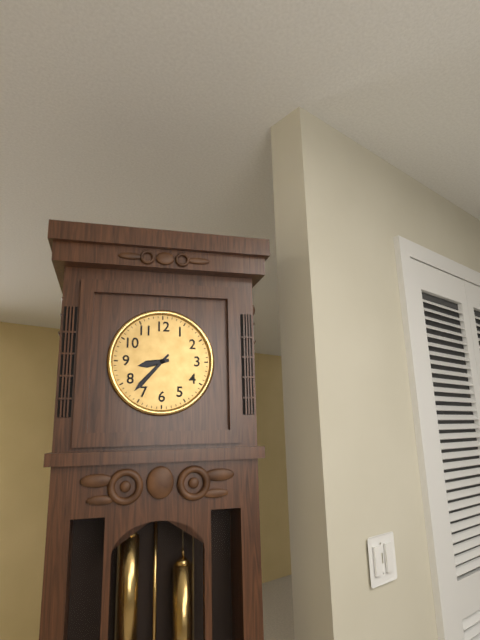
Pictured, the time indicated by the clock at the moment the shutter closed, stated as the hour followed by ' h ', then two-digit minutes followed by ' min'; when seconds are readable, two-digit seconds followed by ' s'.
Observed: 8 h 37 min
